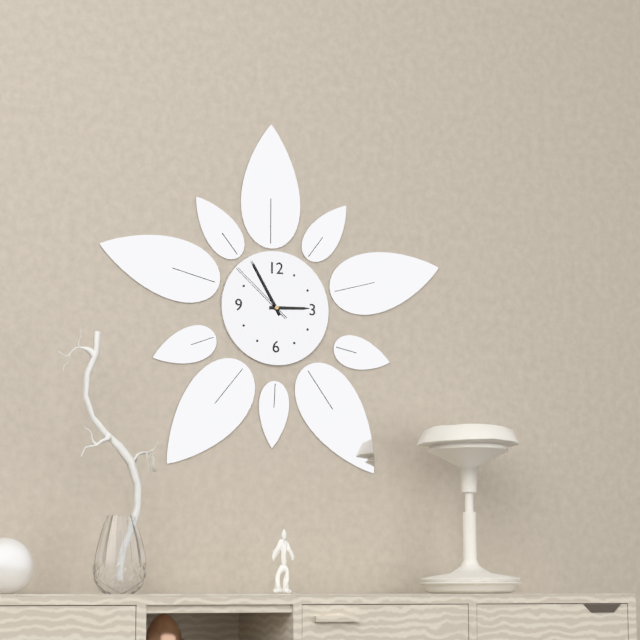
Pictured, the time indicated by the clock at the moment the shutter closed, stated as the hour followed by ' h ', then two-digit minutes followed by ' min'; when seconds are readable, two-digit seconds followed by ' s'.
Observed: 2 h 55 min 52 s
